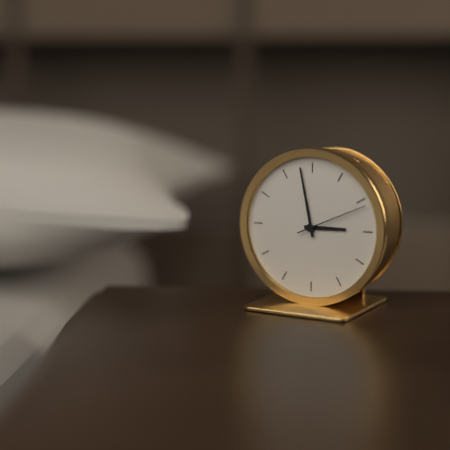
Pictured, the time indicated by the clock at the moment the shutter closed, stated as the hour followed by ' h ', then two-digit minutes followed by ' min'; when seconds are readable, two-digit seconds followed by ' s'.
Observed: 2 h 58 min 11 s
